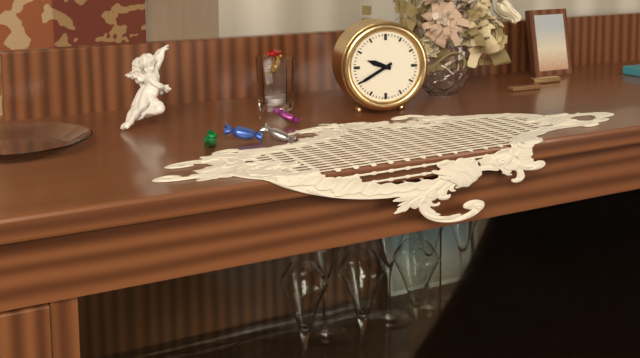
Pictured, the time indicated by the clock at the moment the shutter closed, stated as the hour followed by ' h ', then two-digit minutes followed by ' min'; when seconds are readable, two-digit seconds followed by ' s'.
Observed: 9 h 40 min
